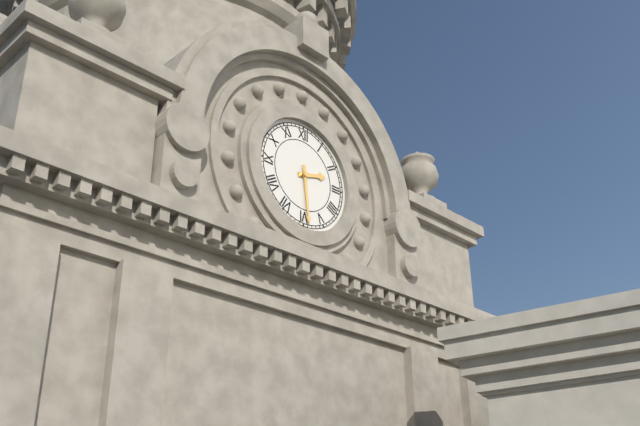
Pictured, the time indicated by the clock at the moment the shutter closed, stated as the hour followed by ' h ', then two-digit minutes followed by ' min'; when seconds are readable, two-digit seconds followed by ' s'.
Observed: 2 h 29 min
